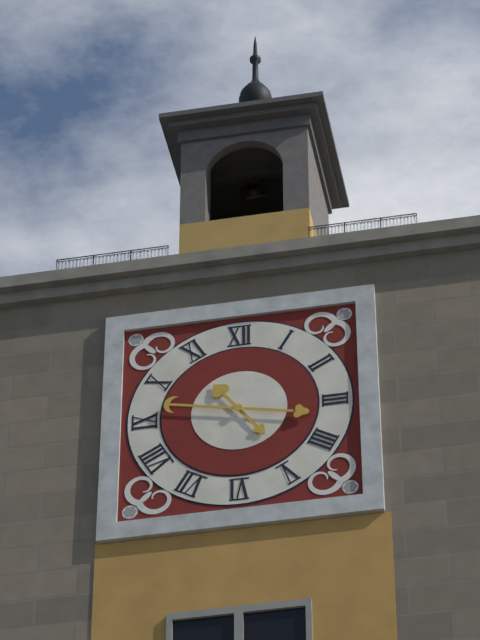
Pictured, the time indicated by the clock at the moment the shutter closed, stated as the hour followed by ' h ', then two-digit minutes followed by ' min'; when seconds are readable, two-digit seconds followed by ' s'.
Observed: 10 h 47 min
